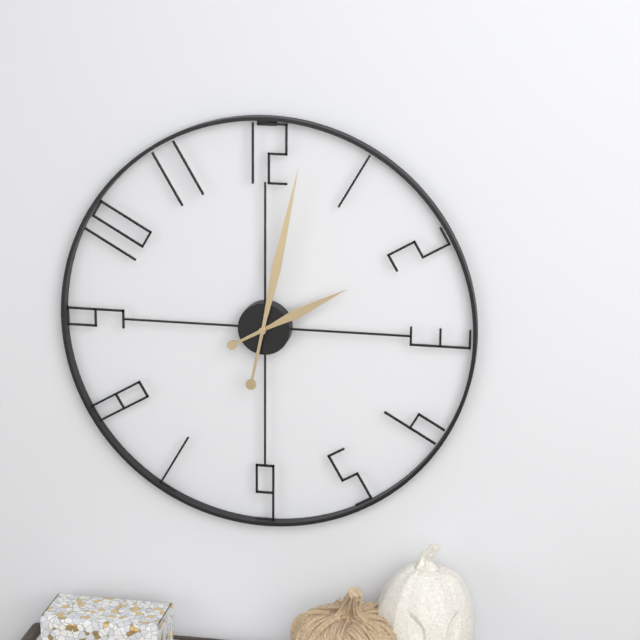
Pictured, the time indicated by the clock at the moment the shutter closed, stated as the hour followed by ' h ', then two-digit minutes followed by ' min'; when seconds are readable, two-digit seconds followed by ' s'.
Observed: 2 h 02 min
